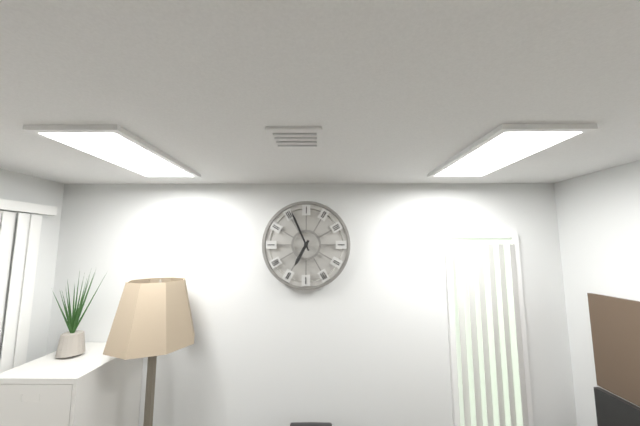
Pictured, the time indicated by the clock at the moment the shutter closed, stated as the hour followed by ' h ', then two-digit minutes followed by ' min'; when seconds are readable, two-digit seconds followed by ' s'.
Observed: 6 h 56 min
